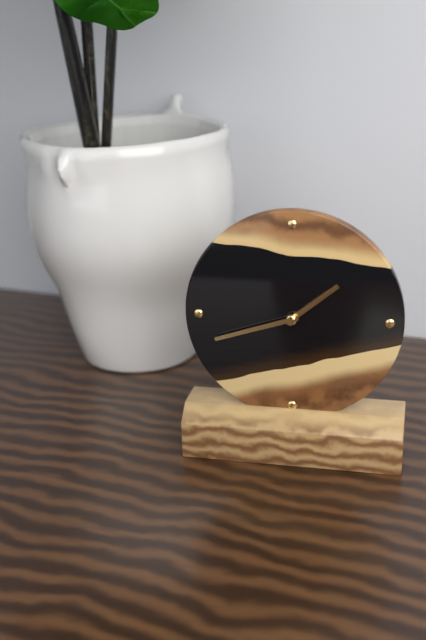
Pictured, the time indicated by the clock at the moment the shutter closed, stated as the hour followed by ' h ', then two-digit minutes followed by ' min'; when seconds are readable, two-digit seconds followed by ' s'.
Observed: 1 h 42 min
